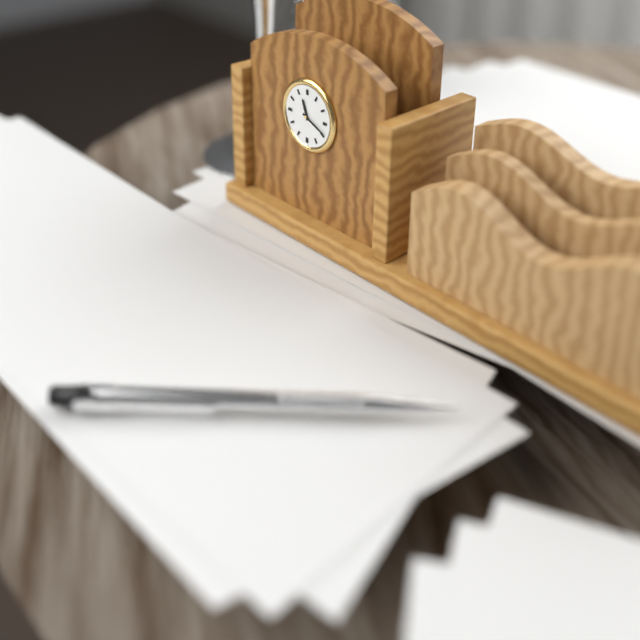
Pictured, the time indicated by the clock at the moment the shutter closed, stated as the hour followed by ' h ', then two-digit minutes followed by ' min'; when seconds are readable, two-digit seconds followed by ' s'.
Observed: 11 h 19 min
